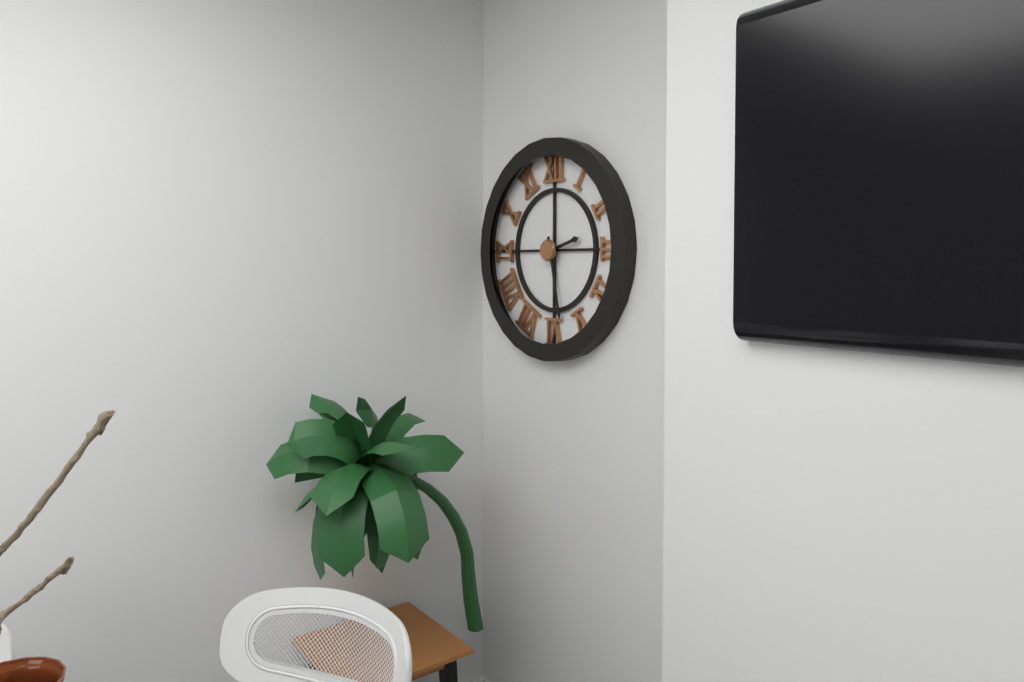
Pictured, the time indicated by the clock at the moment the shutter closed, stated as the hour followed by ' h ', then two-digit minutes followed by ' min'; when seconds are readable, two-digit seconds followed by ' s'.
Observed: 2 h 28 min
